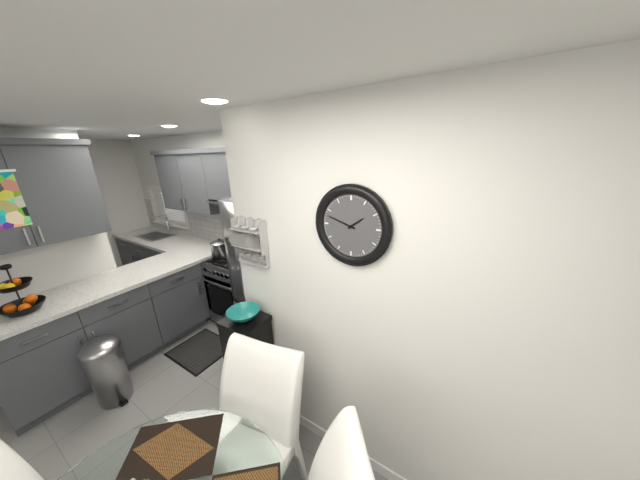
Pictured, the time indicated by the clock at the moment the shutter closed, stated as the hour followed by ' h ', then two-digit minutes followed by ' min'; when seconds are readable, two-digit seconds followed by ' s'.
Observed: 1 h 48 min
